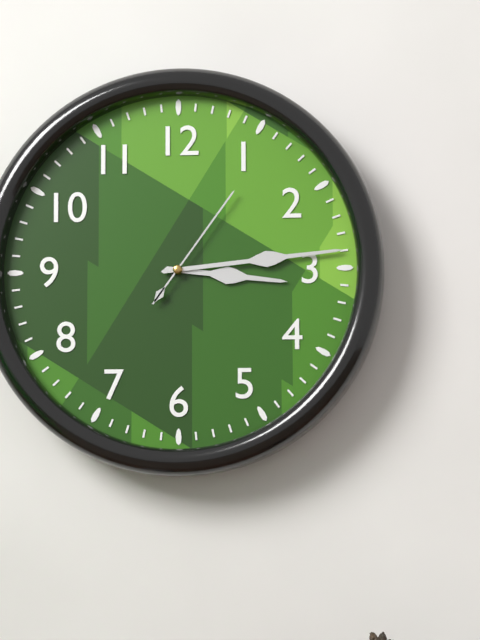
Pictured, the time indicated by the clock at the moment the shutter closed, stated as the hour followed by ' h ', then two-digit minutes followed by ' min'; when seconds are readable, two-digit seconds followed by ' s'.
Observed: 3 h 14 min 06 s
